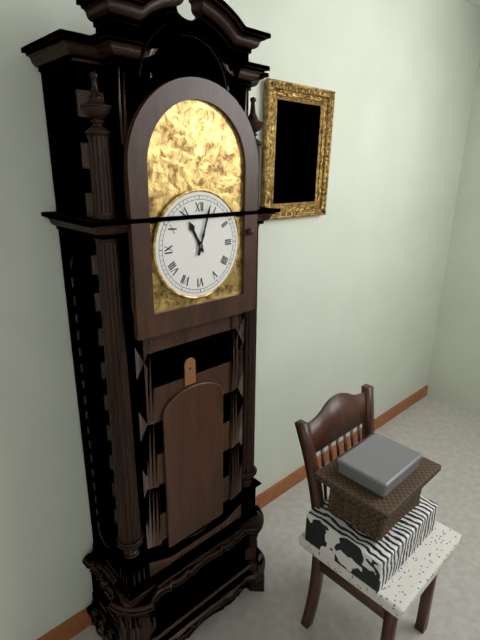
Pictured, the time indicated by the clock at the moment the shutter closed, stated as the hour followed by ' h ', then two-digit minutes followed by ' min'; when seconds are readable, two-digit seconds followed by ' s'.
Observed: 11 h 03 min
